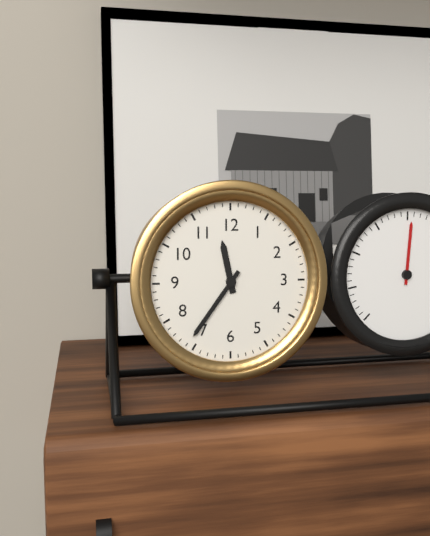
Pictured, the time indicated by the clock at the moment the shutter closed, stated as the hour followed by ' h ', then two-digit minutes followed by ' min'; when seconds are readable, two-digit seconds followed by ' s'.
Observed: 11 h 36 min
